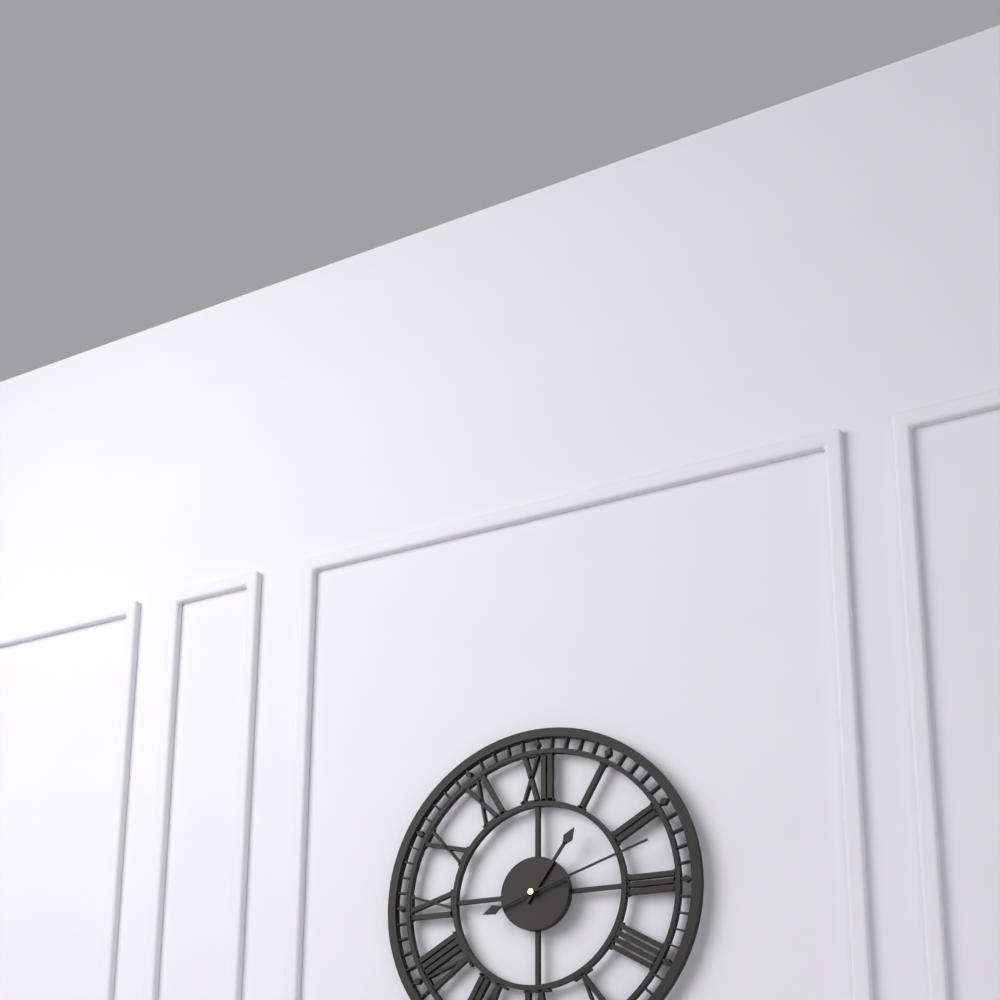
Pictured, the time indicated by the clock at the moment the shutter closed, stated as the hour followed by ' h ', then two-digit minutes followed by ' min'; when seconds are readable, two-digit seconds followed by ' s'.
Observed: 1 h 12 min
